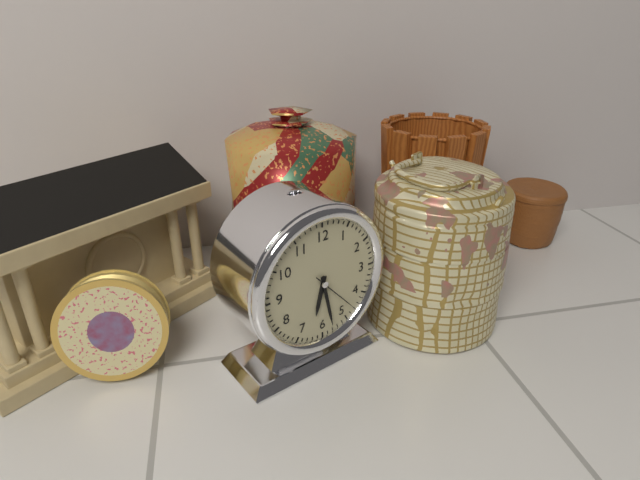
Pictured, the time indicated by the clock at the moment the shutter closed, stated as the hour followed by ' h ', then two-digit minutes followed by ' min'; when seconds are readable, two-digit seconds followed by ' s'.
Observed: 6 h 28 min
